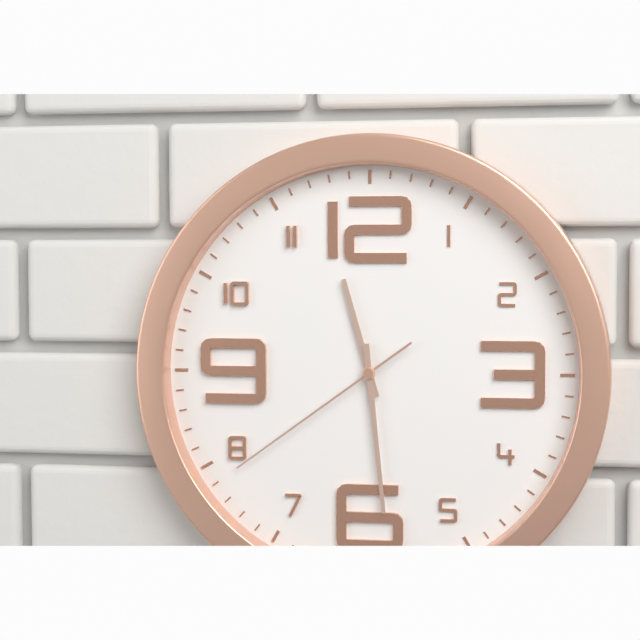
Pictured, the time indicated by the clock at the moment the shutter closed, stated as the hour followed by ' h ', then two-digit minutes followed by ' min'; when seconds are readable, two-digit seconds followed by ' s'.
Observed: 11 h 29 min 39 s
